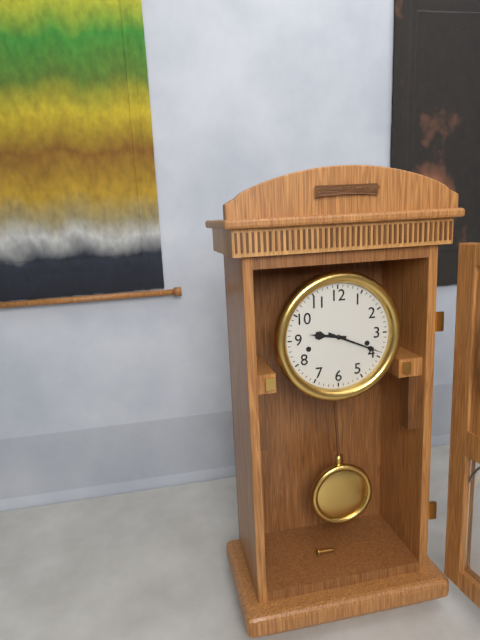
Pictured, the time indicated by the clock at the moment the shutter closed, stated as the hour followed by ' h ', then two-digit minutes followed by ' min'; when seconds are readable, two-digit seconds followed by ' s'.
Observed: 9 h 19 min
